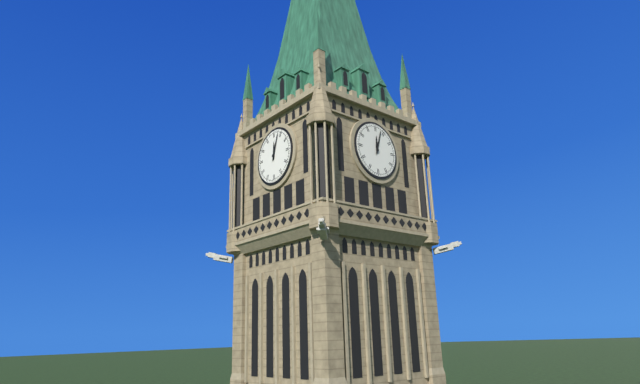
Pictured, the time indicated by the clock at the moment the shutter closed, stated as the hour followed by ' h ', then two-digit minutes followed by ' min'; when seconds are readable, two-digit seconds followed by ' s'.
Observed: 12 h 03 min
